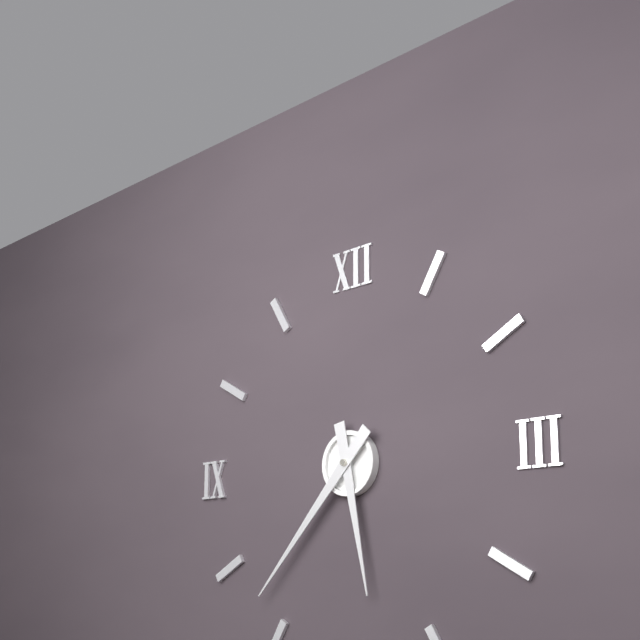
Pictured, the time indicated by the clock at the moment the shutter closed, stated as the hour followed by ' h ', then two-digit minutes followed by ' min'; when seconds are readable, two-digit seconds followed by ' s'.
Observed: 5 h 37 min
